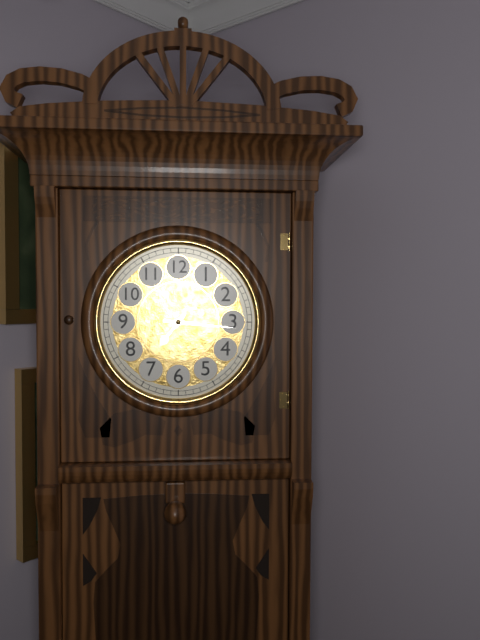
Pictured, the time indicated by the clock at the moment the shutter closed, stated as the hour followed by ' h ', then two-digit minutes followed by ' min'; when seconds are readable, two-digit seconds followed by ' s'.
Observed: 7 h 16 min
